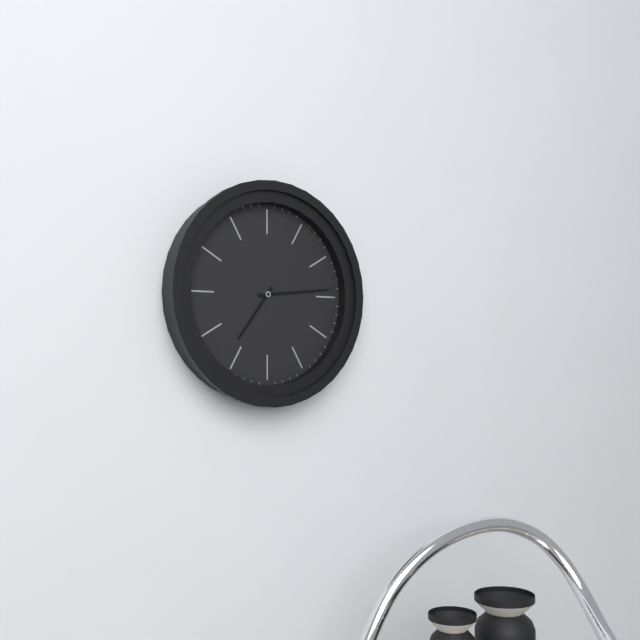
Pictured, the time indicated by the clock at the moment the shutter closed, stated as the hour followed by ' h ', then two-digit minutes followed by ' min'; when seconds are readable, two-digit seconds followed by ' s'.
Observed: 7 h 14 min
